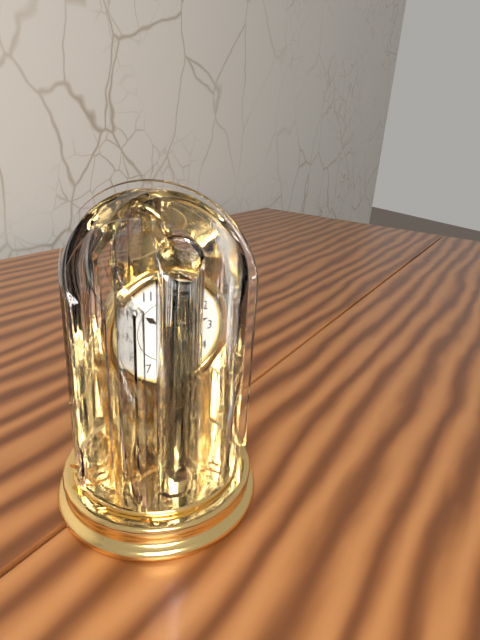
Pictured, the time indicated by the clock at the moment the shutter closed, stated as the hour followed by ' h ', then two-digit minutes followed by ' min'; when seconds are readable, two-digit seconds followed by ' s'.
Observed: 10 h 13 min
